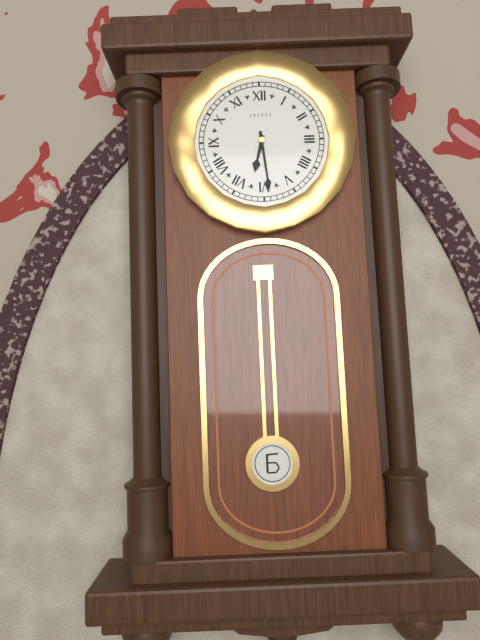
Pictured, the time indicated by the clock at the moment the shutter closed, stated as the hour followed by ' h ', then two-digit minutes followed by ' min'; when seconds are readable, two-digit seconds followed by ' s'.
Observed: 6 h 29 min
